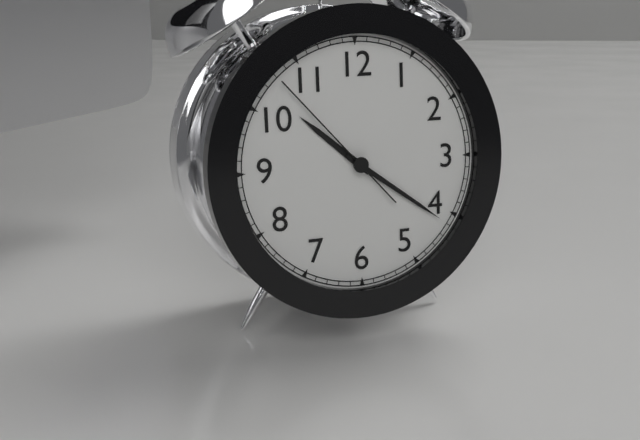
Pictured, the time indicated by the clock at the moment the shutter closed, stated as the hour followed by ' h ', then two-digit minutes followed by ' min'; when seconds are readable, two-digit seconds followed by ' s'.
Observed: 10 h 21 min 53 s
